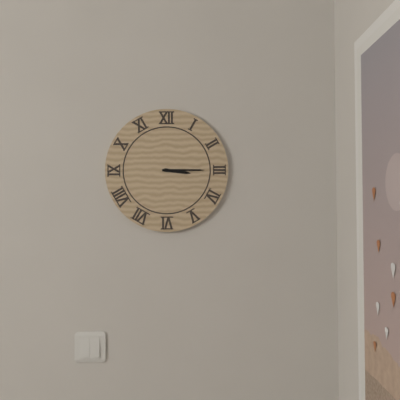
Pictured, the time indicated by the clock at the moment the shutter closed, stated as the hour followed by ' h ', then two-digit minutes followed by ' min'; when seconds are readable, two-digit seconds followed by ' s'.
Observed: 3 h 15 min
